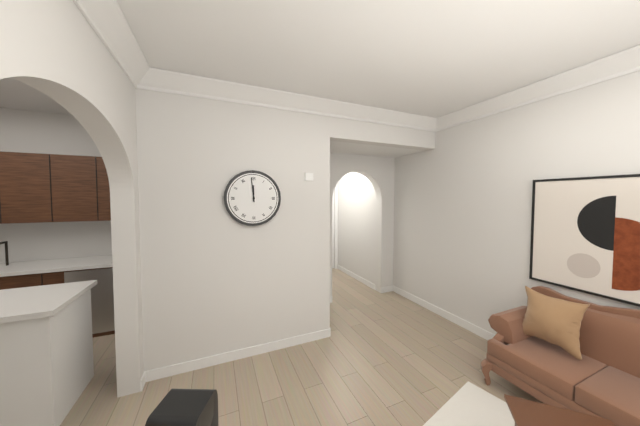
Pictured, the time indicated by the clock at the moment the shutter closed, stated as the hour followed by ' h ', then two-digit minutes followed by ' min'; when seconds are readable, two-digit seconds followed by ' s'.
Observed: 11 h 59 min
